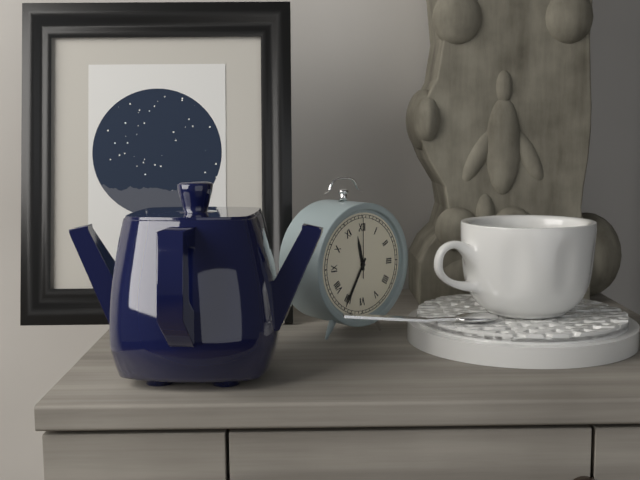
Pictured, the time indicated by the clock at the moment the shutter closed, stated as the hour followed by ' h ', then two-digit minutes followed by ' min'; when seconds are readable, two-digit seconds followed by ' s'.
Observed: 11 h 35 min 00 s
